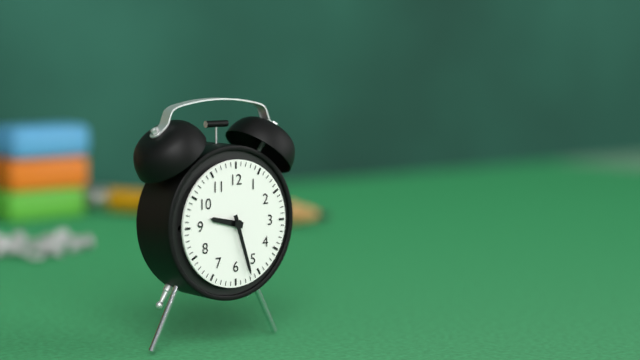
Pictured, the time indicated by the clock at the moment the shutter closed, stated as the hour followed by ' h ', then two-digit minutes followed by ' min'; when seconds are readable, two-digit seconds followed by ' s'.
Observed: 9 h 27 min
